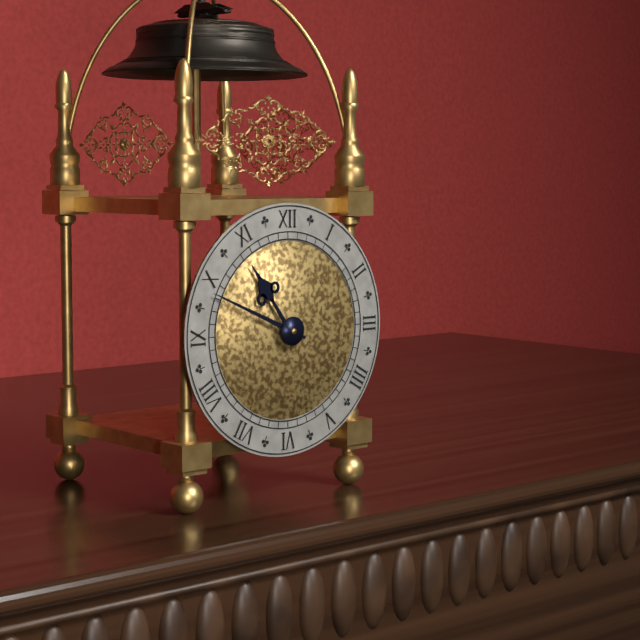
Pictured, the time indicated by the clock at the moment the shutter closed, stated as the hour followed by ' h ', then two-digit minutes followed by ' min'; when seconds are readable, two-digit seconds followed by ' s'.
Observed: 10 h 49 min
